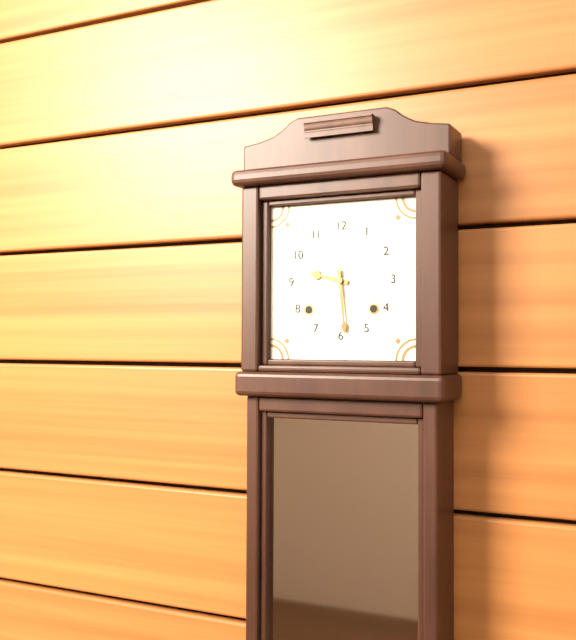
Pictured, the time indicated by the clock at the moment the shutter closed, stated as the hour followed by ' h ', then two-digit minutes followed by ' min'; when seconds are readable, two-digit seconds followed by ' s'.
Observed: 9 h 29 min
